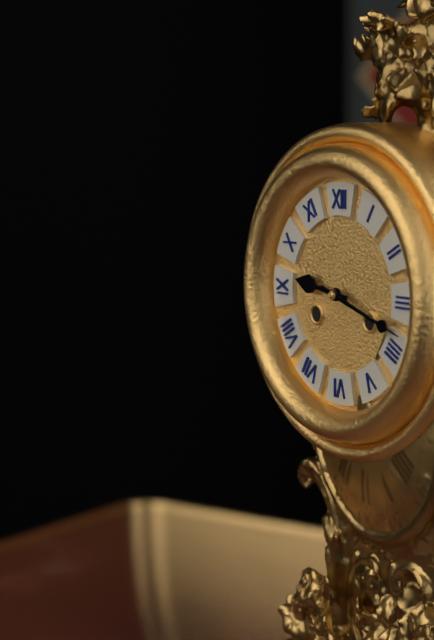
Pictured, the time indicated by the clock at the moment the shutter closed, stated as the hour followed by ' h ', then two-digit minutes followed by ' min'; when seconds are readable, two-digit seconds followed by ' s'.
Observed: 9 h 18 min
